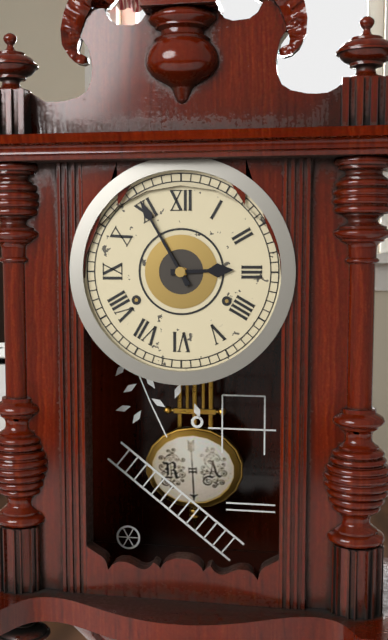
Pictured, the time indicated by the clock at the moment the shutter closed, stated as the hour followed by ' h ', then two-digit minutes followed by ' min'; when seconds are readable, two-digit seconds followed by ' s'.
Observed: 2 h 55 min
